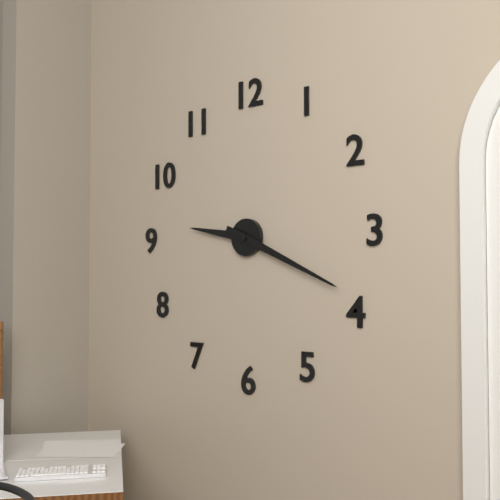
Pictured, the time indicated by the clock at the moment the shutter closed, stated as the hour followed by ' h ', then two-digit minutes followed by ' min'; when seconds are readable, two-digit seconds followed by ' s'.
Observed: 9 h 19 min
